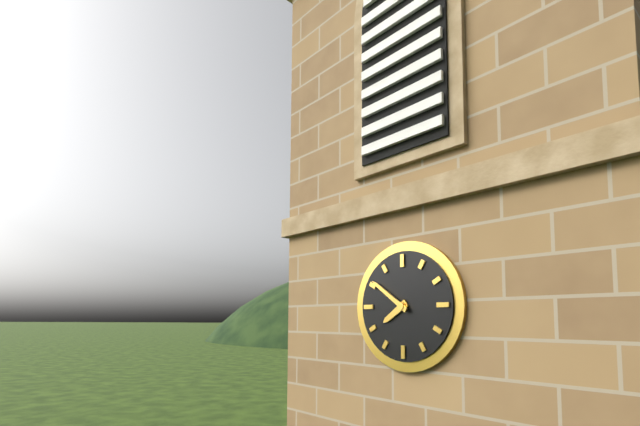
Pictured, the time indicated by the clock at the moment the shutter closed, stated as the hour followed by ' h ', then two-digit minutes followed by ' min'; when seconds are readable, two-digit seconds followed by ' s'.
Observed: 7 h 51 min
